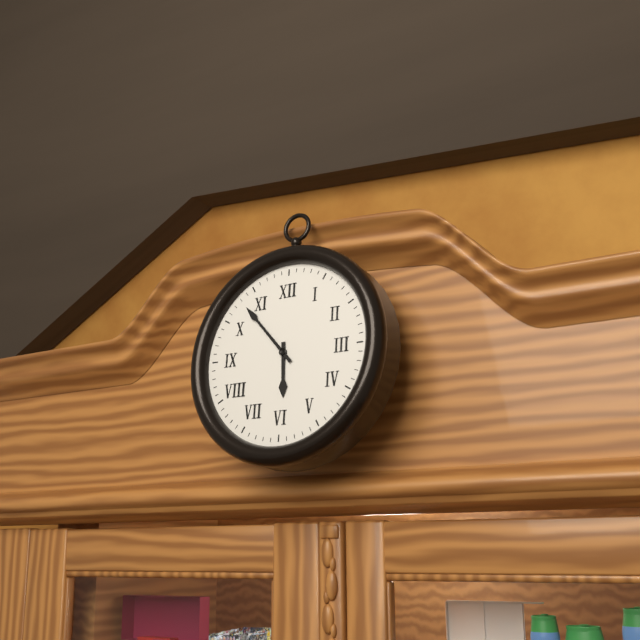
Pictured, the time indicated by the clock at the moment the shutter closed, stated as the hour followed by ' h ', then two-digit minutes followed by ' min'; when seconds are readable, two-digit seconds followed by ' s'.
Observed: 5 h 53 min
